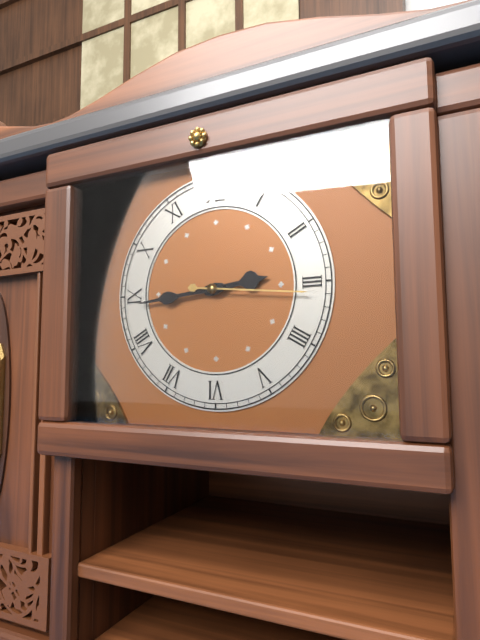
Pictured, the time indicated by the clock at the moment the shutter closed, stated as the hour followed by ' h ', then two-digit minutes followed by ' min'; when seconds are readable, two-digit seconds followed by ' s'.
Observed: 2 h 44 min 16 s
